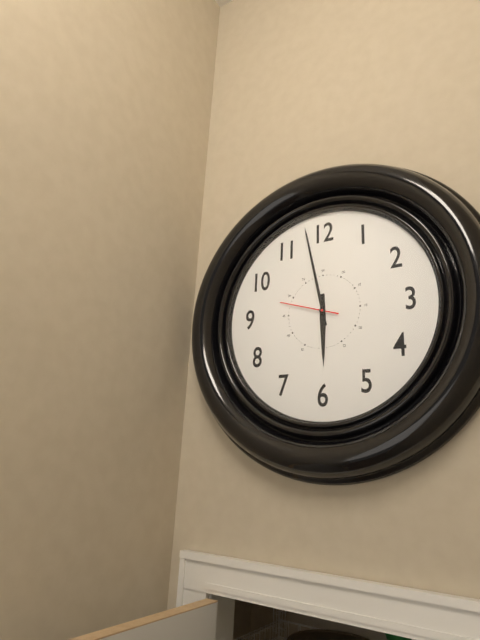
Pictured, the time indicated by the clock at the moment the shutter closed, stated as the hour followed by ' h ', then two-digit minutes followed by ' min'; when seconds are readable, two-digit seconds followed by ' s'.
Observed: 5 h 58 min 48 s
